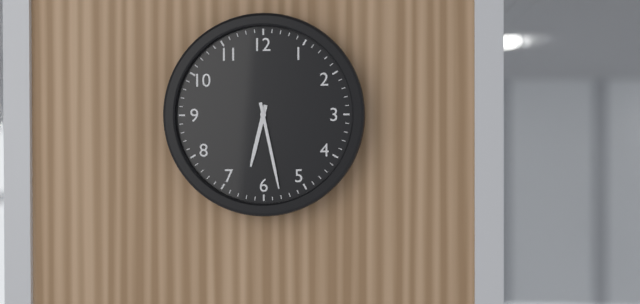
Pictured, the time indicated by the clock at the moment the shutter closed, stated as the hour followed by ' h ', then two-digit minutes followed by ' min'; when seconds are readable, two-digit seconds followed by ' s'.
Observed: 6 h 28 min
